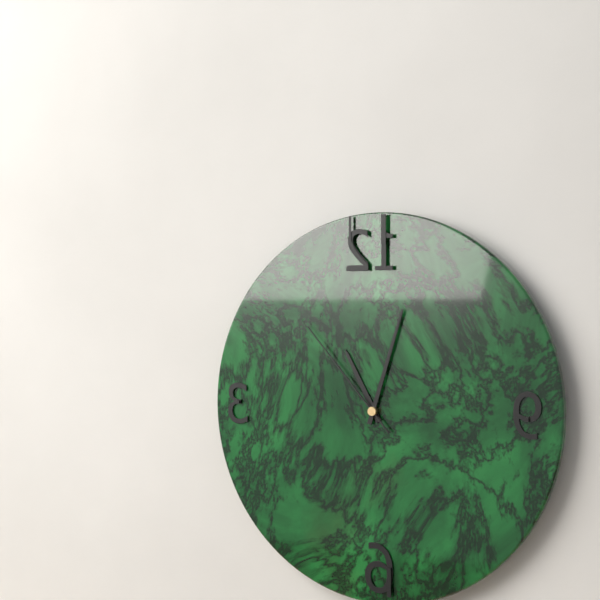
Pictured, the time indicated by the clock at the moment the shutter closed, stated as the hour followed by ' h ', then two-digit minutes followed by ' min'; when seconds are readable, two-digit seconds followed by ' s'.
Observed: 11 h 03 min 53 s
